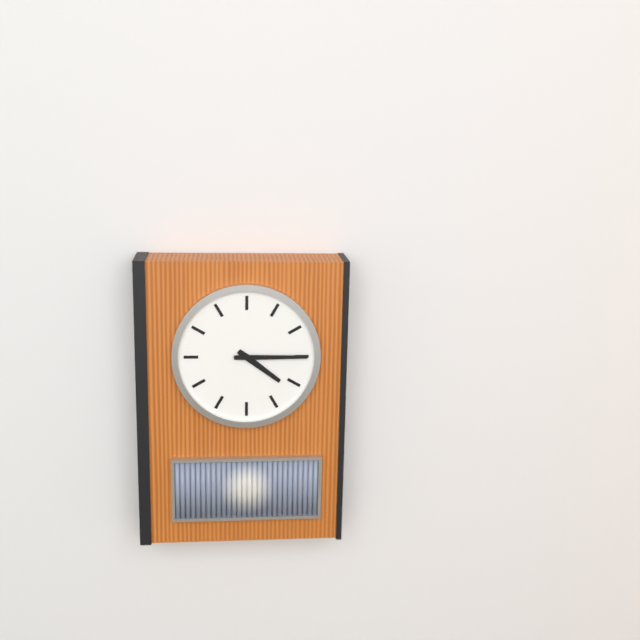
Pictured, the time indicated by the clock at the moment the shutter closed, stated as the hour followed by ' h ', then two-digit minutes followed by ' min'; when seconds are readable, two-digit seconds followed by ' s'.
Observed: 4 h 15 min
